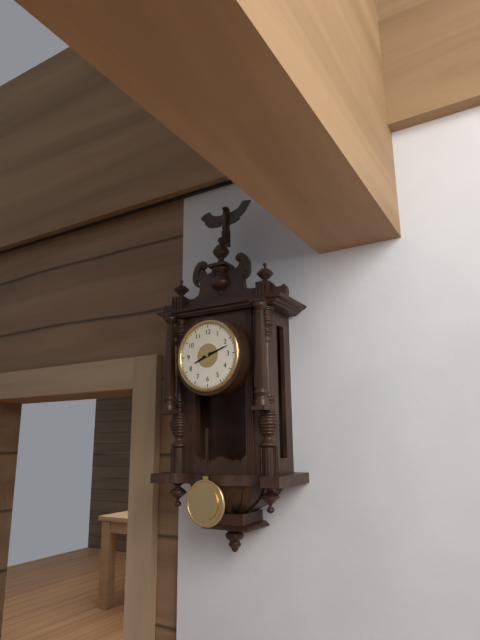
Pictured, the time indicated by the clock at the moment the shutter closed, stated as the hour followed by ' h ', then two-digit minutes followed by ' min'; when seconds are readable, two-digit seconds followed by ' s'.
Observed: 8 h 12 min
